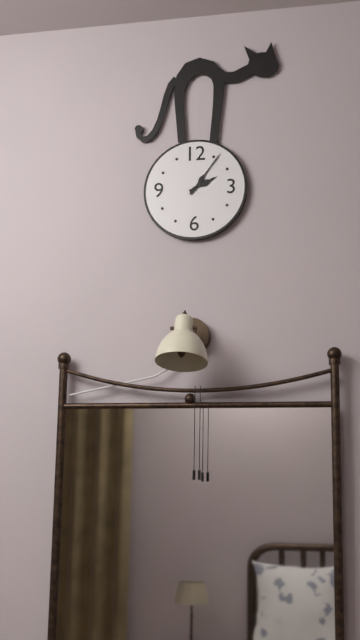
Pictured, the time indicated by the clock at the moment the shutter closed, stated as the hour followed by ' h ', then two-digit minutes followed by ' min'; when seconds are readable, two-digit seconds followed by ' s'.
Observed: 2 h 06 min
